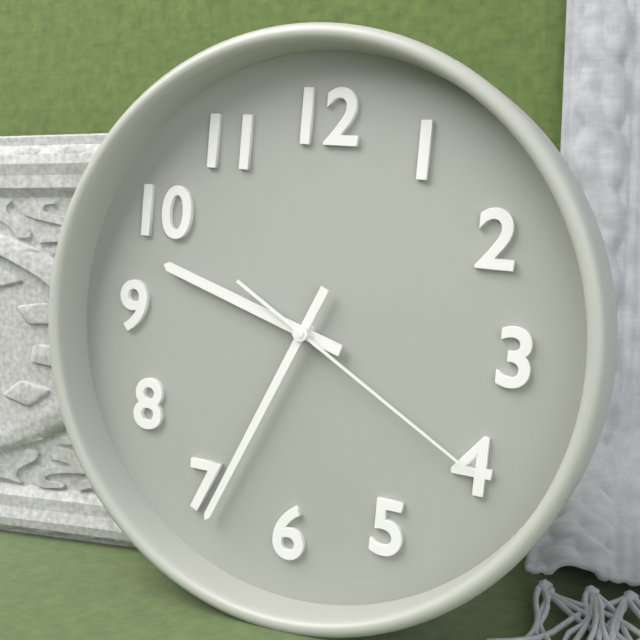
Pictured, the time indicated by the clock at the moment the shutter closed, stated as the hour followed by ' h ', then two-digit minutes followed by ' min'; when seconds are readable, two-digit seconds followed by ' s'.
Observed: 9 h 34 min 20 s
